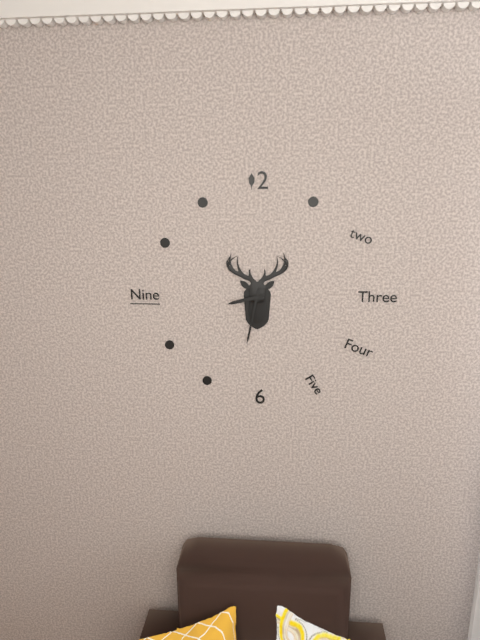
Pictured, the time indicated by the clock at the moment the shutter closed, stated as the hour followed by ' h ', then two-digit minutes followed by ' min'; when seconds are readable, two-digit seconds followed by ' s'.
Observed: 8 h 32 min
